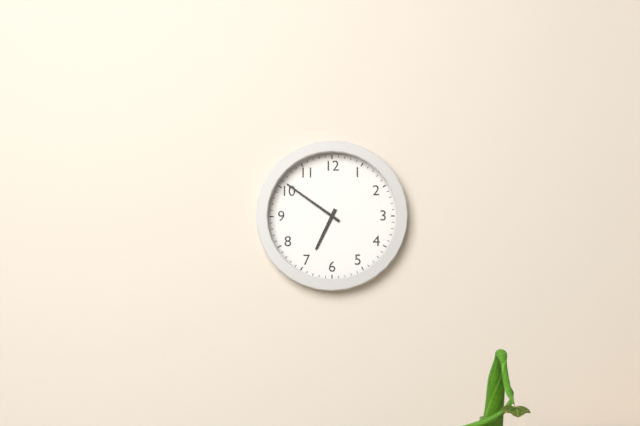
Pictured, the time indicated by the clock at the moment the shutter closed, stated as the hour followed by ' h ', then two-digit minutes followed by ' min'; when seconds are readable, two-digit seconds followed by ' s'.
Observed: 6 h 51 min
